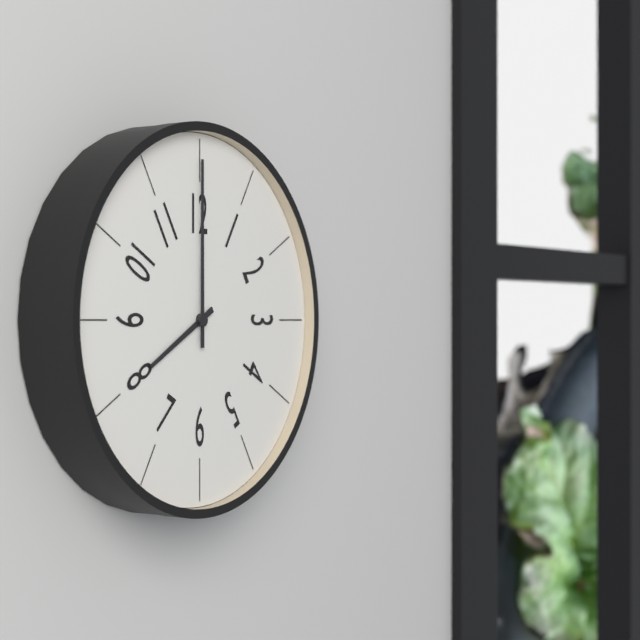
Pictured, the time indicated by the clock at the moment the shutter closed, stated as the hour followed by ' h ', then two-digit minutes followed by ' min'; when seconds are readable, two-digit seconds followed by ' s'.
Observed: 8 h 00 min
